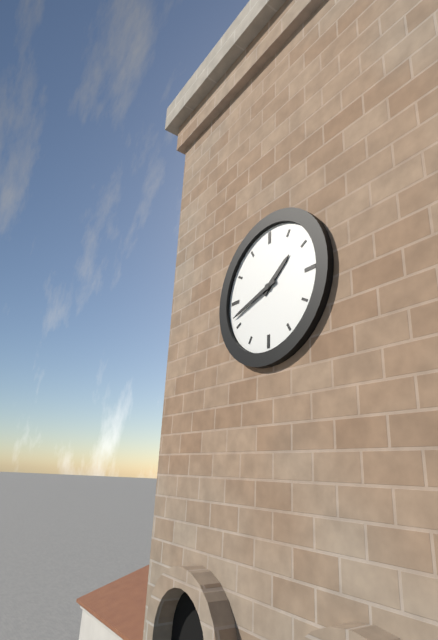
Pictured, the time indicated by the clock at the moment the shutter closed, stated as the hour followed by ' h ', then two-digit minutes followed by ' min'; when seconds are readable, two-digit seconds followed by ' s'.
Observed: 1 h 42 min
